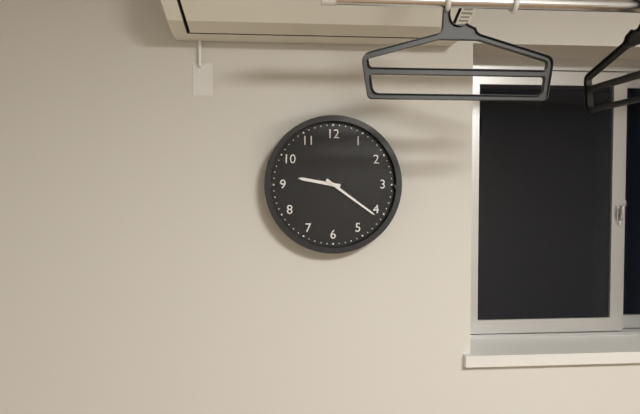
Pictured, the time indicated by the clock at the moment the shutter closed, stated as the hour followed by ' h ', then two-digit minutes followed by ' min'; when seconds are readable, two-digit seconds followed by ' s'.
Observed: 9 h 21 min
